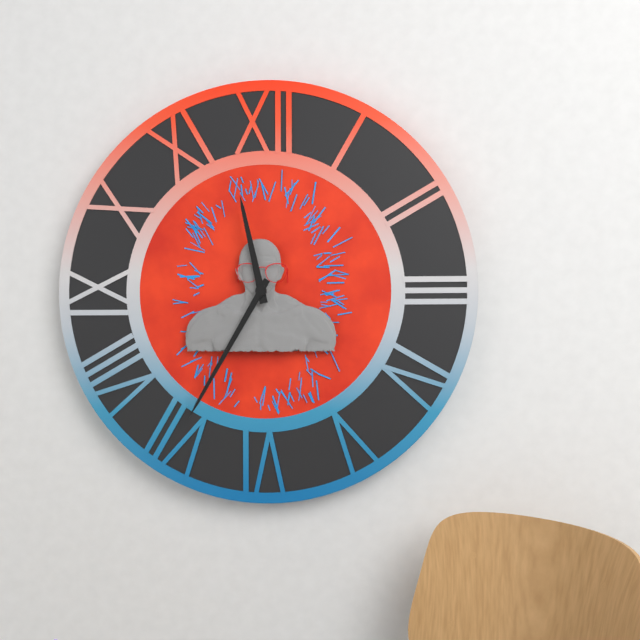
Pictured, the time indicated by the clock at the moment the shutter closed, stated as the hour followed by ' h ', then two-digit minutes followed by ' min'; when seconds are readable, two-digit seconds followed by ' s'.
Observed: 11 h 35 min
